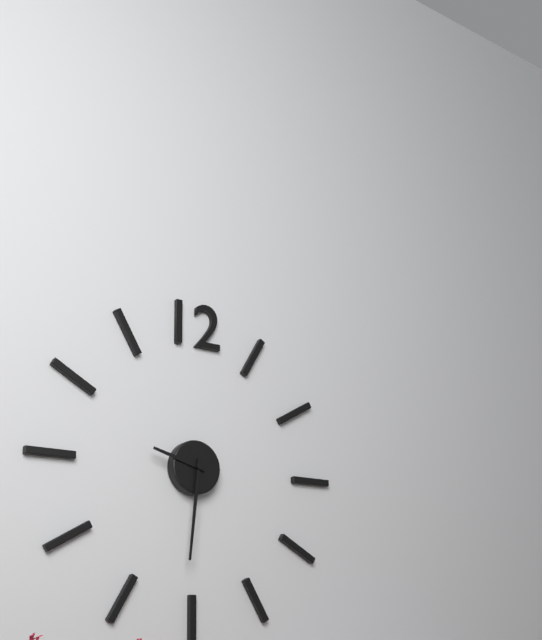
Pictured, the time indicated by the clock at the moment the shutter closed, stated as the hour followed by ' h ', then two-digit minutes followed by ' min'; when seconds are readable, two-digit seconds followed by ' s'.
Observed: 9 h 31 min
